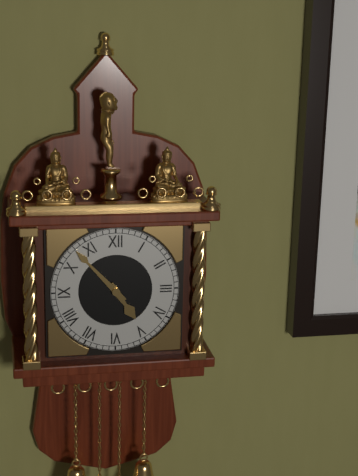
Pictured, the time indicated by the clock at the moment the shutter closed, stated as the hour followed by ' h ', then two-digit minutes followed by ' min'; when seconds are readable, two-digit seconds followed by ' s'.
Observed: 4 h 53 min
